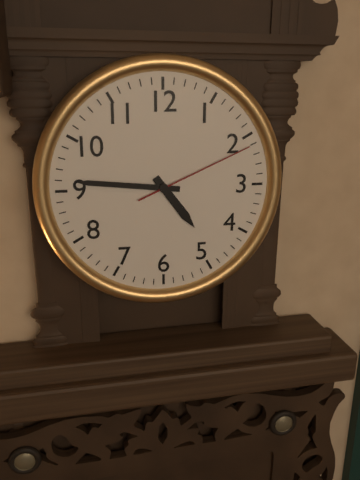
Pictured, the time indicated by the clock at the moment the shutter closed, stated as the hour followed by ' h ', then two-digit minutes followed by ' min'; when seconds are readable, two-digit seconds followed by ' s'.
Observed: 4 h 46 min 11 s
